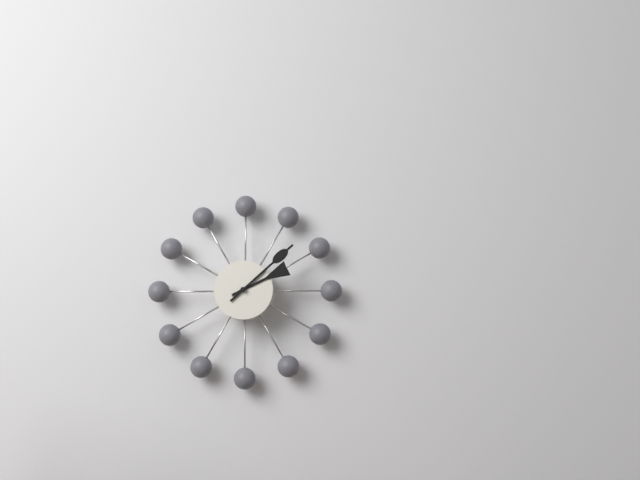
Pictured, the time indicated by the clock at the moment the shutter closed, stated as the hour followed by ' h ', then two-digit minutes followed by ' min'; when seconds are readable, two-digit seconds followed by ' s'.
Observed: 2 h 08 min
